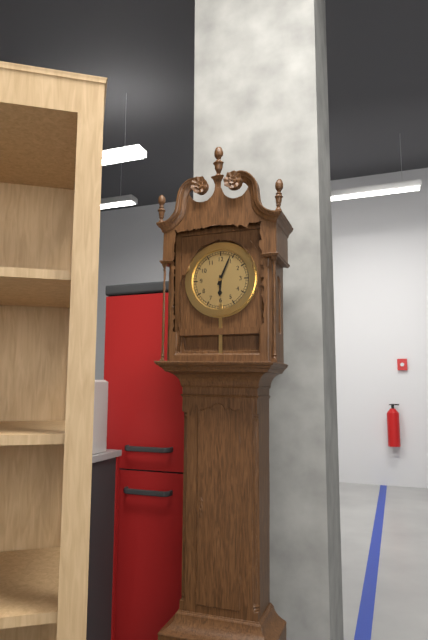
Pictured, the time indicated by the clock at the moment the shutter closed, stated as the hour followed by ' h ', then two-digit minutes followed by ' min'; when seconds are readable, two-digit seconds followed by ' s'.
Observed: 6 h 04 min
